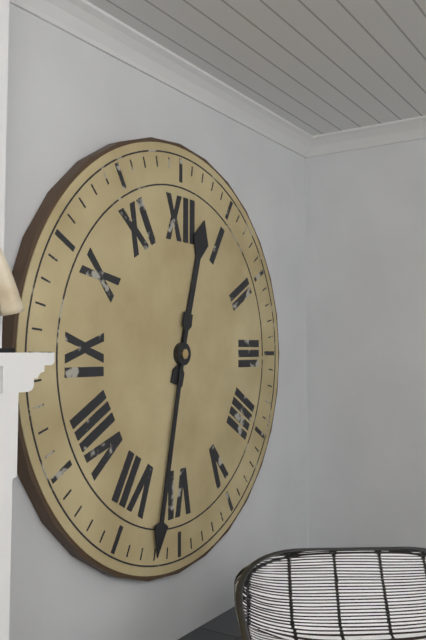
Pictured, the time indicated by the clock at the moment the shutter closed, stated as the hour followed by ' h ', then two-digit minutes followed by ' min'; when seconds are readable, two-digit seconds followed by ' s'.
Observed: 12 h 32 min
